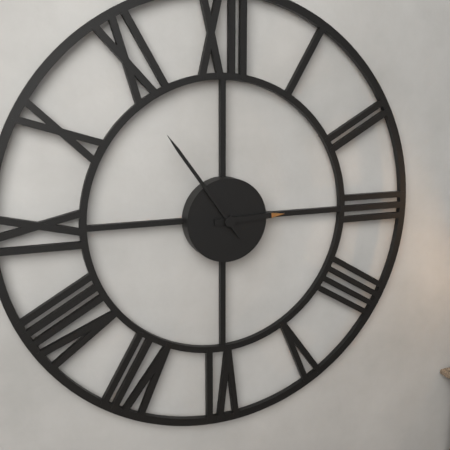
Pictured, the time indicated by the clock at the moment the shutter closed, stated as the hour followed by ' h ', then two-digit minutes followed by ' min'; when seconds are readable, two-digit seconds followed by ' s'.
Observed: 2 h 54 min
